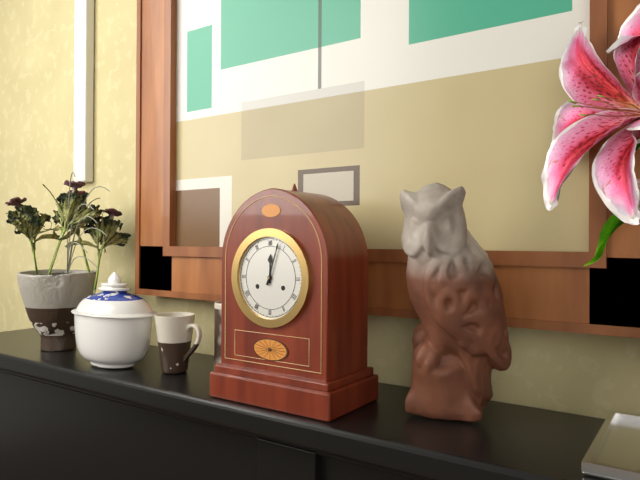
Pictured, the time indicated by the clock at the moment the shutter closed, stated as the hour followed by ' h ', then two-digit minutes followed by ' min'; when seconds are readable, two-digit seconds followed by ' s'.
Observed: 12 h 03 min
